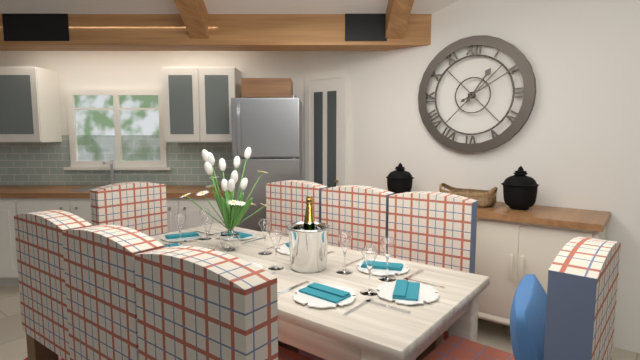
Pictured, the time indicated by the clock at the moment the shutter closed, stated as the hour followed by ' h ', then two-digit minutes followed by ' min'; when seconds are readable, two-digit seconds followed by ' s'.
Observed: 1 h 10 min
